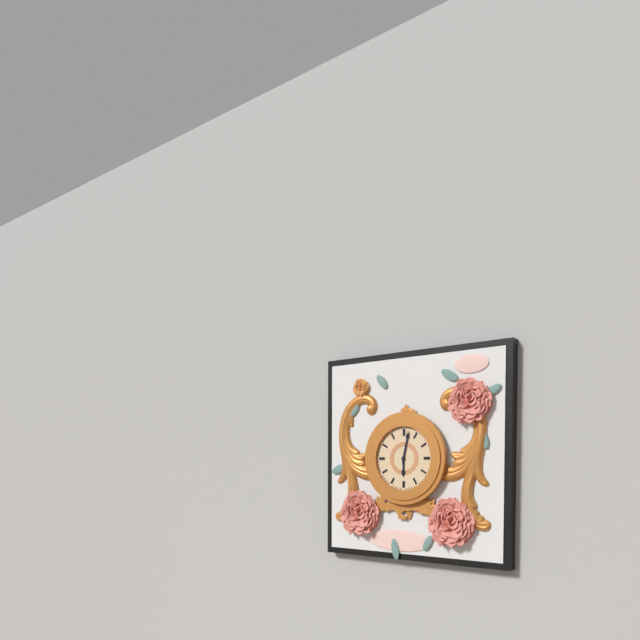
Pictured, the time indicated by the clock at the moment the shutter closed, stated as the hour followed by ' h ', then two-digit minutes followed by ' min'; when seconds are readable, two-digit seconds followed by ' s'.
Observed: 6 h 02 min
